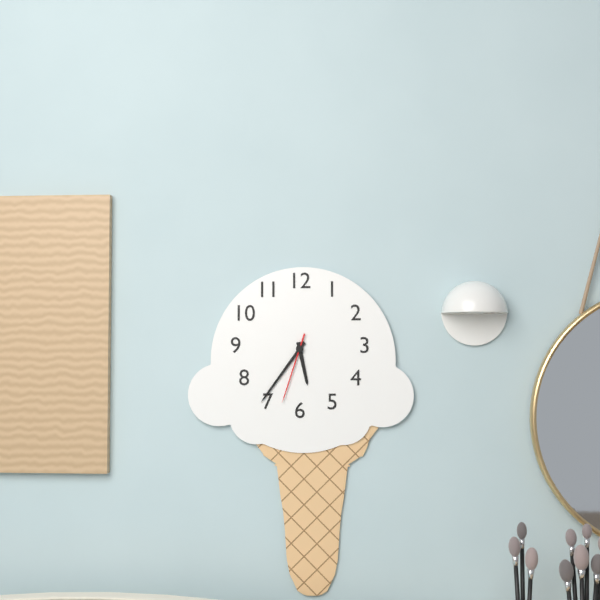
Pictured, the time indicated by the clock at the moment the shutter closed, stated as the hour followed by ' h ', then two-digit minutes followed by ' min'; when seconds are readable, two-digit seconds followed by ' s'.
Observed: 5 h 36 min 33 s
